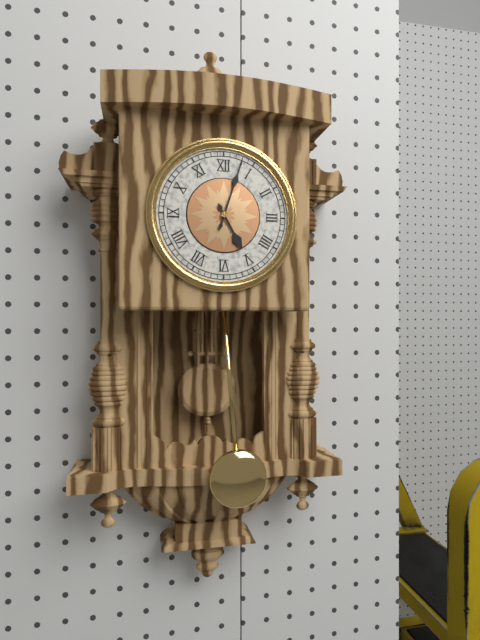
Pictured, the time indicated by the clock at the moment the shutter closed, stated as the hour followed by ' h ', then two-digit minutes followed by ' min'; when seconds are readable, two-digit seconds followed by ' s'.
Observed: 5 h 03 min
